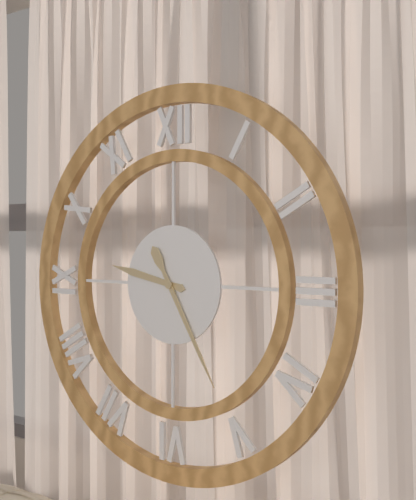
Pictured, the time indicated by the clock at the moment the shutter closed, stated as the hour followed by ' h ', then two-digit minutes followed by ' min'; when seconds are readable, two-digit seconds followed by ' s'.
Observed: 9 h 25 min
